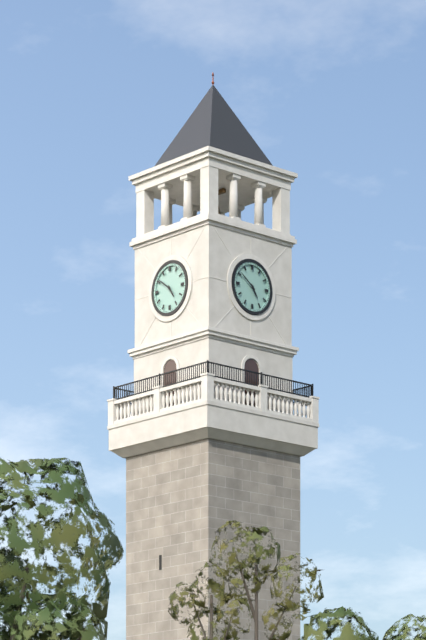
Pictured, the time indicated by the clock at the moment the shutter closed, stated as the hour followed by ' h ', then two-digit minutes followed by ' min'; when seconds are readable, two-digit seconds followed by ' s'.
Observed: 4 h 51 min
